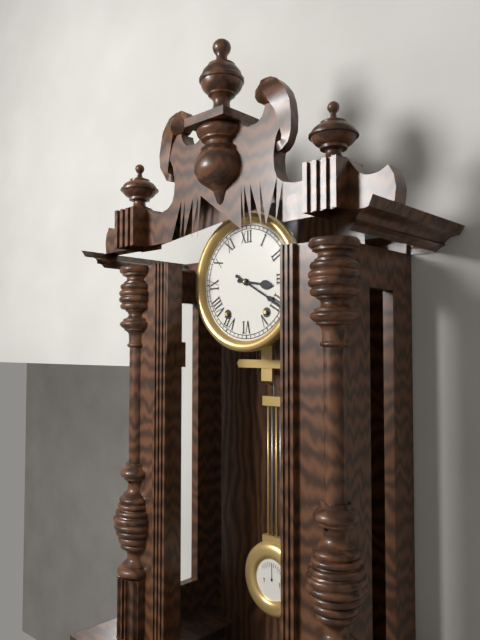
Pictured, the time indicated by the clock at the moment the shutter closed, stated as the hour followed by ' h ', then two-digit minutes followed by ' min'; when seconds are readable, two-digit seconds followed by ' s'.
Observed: 3 h 20 min
